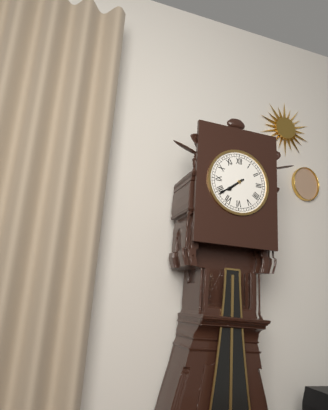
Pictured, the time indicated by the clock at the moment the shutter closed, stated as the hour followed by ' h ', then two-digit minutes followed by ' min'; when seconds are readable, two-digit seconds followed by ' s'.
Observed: 7 h 39 min
